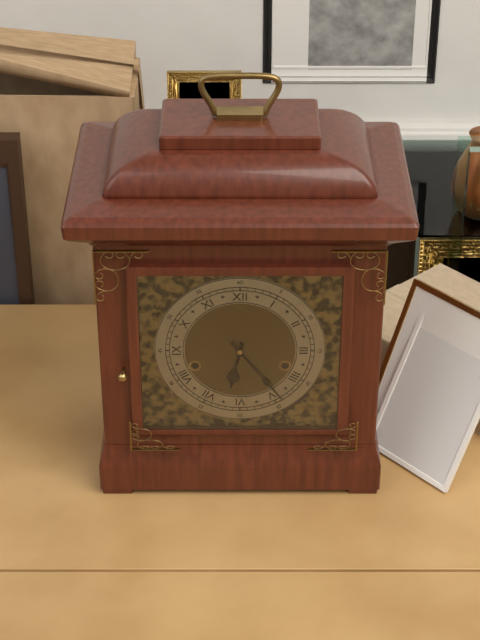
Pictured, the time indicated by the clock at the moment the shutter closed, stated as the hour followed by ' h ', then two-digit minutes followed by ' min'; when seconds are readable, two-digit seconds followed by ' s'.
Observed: 6 h 24 min
